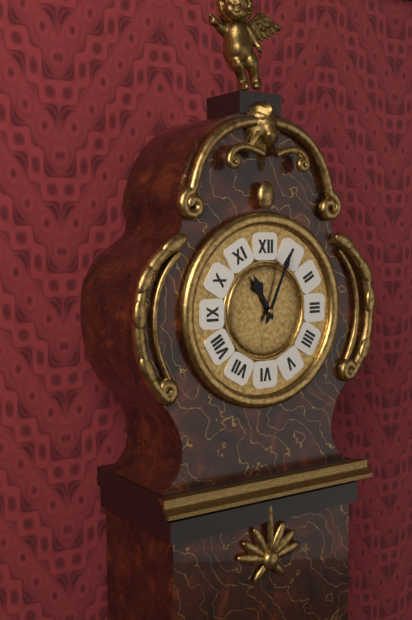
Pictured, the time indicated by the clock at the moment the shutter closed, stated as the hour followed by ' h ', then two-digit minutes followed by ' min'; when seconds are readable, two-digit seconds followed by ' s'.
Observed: 11 h 04 min
